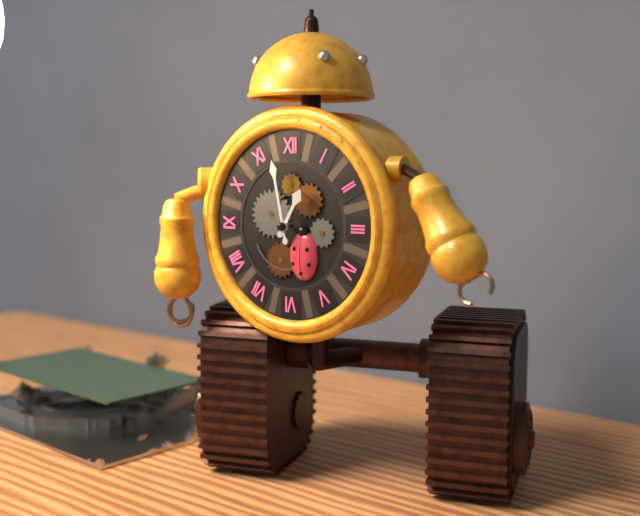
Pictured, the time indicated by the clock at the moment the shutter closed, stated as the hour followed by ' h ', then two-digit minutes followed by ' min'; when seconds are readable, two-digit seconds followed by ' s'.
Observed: 12 h 58 min
